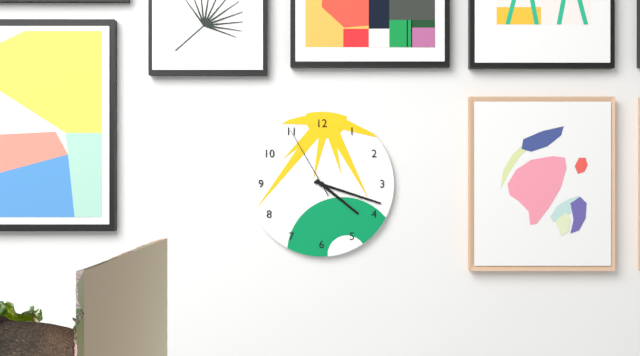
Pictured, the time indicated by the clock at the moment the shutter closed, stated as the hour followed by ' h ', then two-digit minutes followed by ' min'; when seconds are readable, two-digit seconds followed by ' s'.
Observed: 4 h 18 min 55 s
